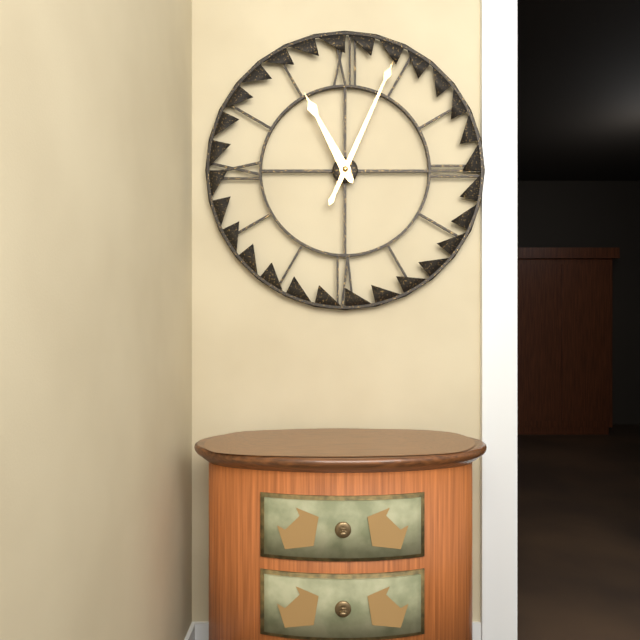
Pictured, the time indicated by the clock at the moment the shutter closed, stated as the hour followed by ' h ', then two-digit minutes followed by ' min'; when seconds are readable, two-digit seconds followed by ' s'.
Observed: 11 h 04 min
